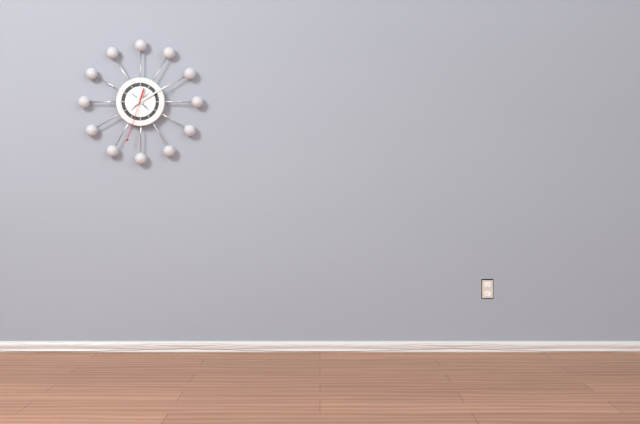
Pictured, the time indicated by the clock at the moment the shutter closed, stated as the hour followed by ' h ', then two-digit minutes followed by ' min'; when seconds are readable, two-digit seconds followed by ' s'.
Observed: 10 h 10 min 33 s
